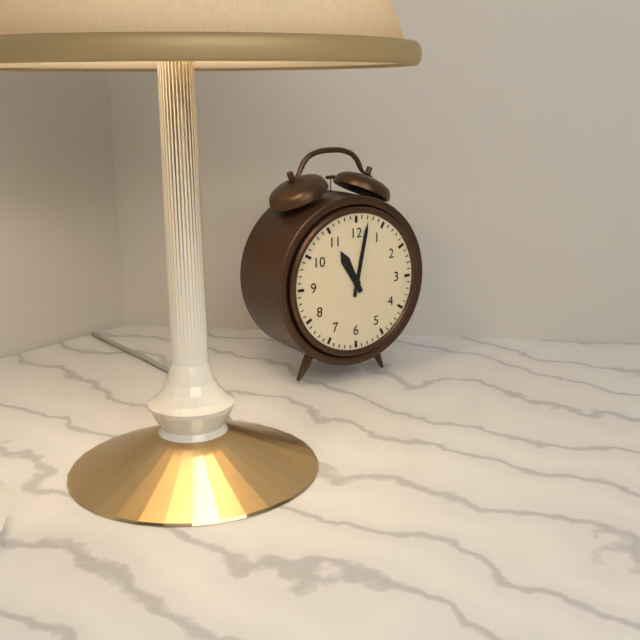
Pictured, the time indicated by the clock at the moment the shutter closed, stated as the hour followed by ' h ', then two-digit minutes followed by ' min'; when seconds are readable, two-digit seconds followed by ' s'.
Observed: 11 h 02 min
